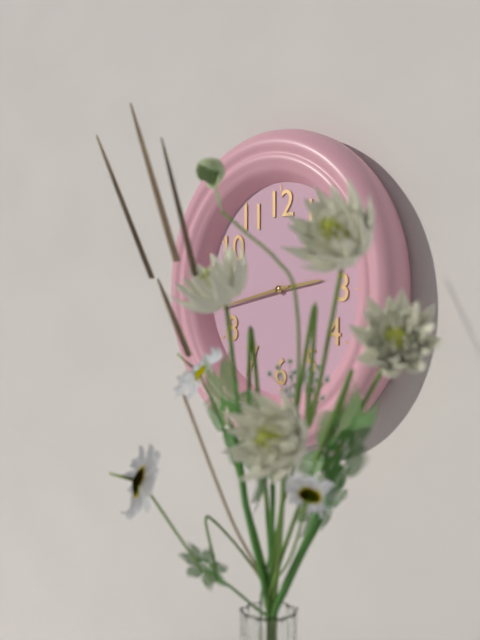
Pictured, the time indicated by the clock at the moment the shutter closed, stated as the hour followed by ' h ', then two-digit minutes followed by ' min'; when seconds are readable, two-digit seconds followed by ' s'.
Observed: 2 h 43 min
